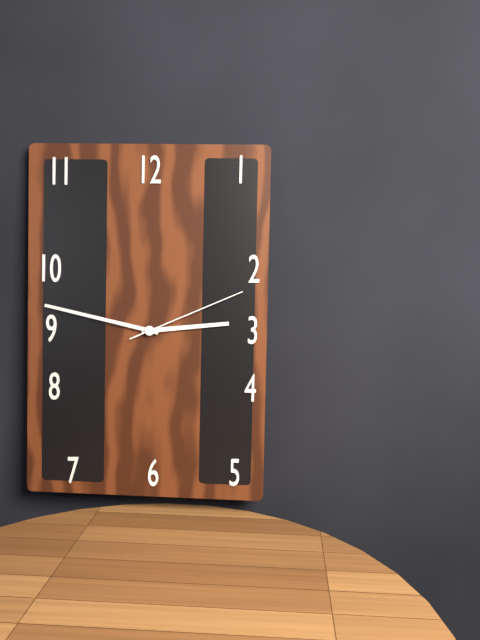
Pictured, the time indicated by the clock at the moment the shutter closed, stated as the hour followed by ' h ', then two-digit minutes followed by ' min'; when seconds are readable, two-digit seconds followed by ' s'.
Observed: 2 h 47 min 11 s
